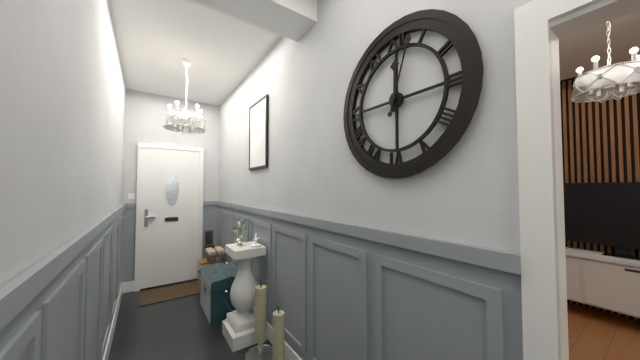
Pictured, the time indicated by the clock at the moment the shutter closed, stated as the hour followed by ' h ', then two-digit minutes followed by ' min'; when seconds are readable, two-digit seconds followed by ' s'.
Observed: 12 h 03 min
